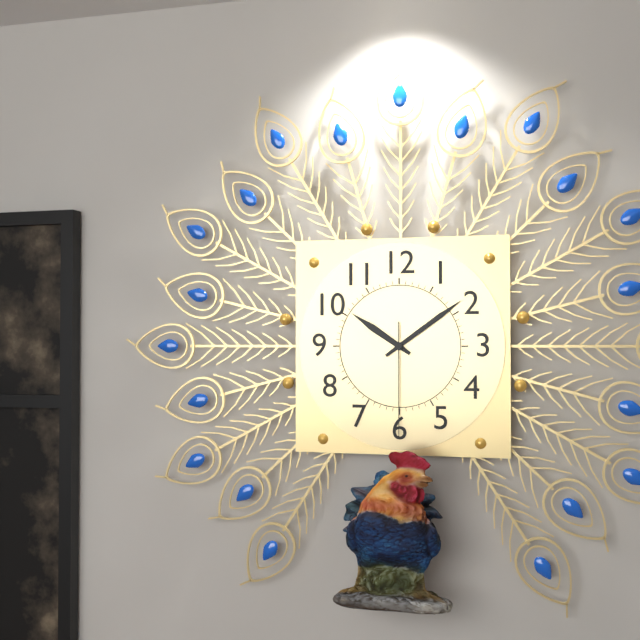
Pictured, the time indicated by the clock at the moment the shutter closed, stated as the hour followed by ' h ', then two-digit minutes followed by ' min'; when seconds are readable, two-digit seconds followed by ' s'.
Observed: 10 h 09 min 30 s
